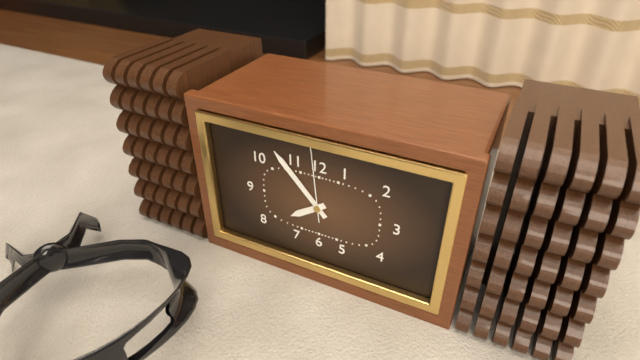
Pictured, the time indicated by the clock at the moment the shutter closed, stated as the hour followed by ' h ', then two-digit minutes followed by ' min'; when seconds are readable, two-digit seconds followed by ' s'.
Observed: 7 h 53 min 59 s
